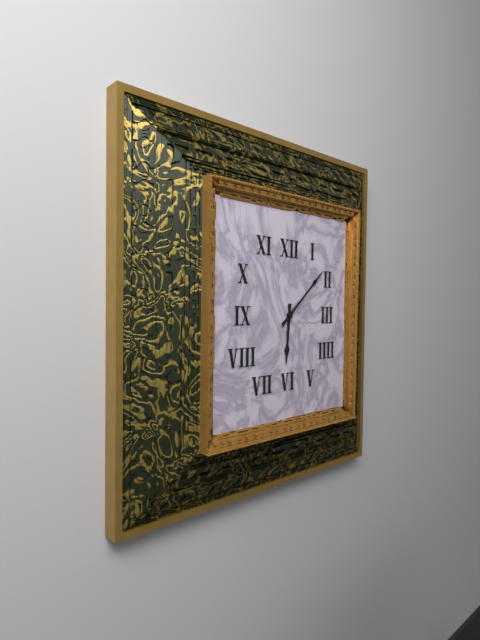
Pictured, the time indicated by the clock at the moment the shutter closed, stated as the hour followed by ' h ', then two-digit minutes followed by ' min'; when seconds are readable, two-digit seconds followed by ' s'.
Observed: 6 h 08 min
